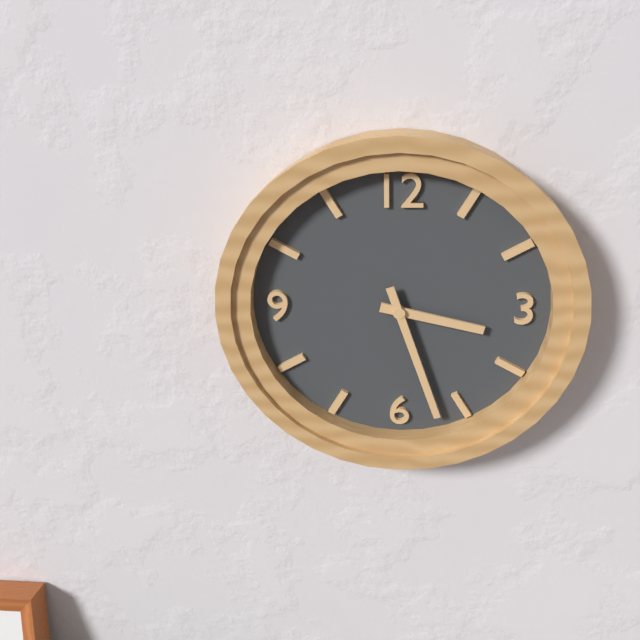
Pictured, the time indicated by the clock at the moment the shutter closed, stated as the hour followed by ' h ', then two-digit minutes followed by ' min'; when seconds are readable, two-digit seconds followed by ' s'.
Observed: 3 h 27 min
